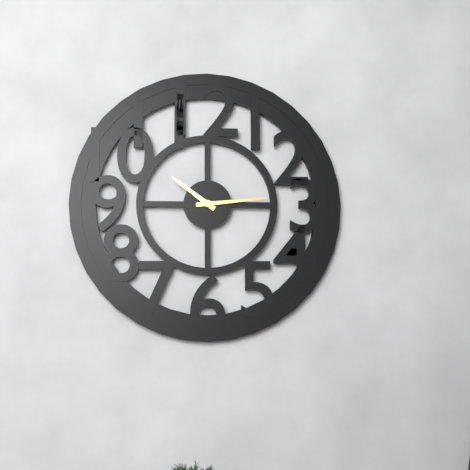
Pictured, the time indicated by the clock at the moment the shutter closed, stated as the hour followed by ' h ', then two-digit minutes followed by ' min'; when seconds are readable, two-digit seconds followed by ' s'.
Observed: 10 h 14 min
